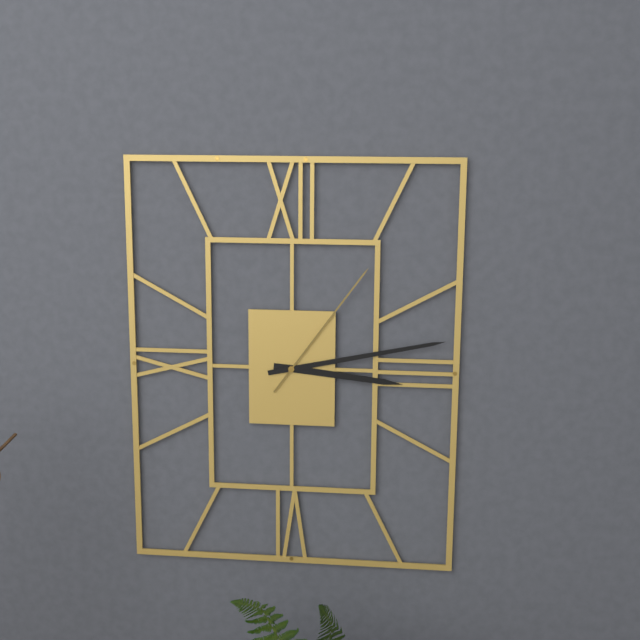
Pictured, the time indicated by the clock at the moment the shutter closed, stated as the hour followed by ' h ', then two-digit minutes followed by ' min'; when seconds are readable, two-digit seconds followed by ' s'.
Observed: 3 h 13 min 06 s
